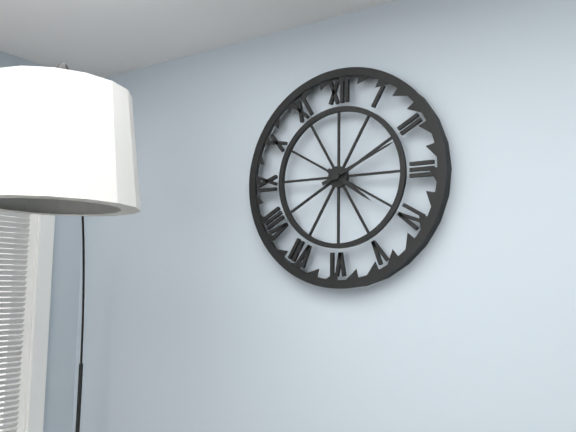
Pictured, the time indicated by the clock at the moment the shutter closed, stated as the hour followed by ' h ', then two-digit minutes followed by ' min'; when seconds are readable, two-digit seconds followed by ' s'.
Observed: 4 h 11 min
